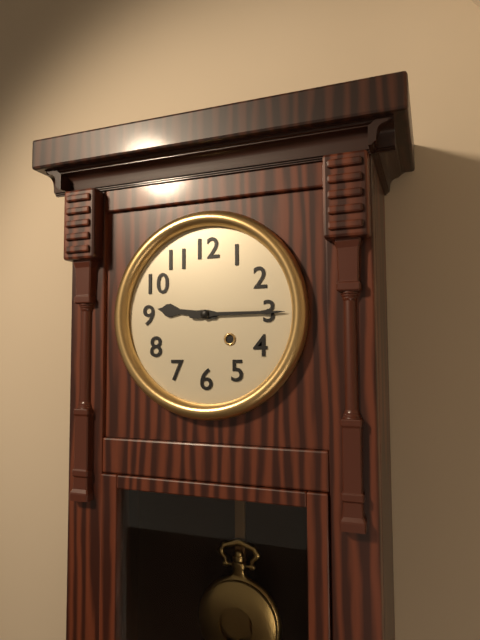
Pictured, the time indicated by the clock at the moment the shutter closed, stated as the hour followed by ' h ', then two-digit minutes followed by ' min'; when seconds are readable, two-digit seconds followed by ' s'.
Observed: 9 h 15 min
